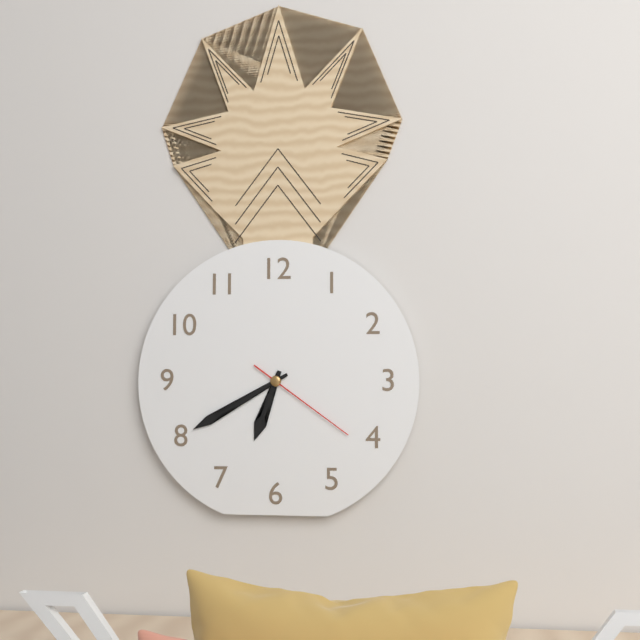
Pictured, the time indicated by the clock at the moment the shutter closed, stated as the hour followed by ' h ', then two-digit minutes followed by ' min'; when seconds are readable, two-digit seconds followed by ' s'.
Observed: 6 h 40 min 21 s
